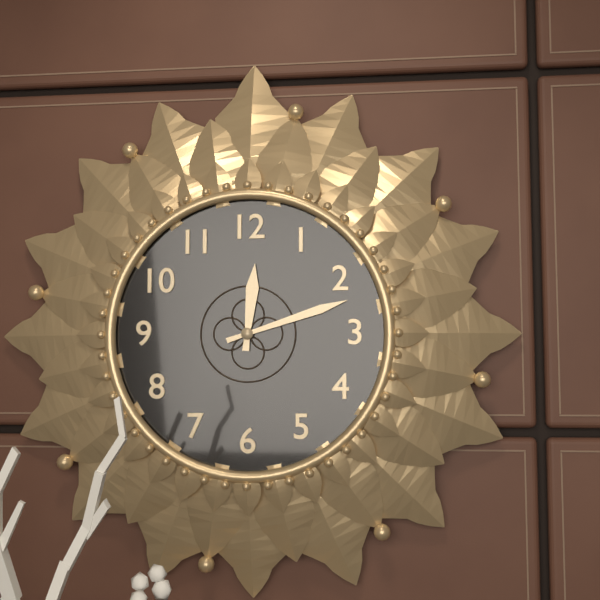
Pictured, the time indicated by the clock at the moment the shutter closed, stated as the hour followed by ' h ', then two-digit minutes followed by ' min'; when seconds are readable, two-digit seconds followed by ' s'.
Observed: 12 h 12 min
